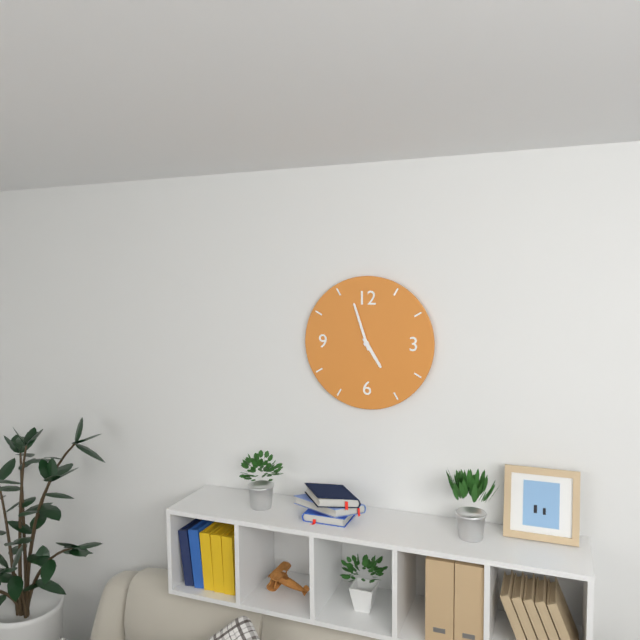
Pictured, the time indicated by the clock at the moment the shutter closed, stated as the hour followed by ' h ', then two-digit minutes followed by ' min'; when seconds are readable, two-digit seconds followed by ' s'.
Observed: 4 h 57 min
